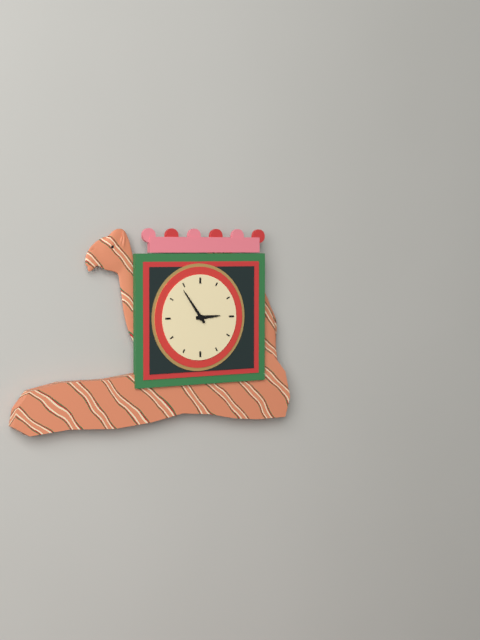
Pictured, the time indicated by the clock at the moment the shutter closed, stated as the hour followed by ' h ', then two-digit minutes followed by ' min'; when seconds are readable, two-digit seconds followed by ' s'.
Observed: 2 h 54 min
